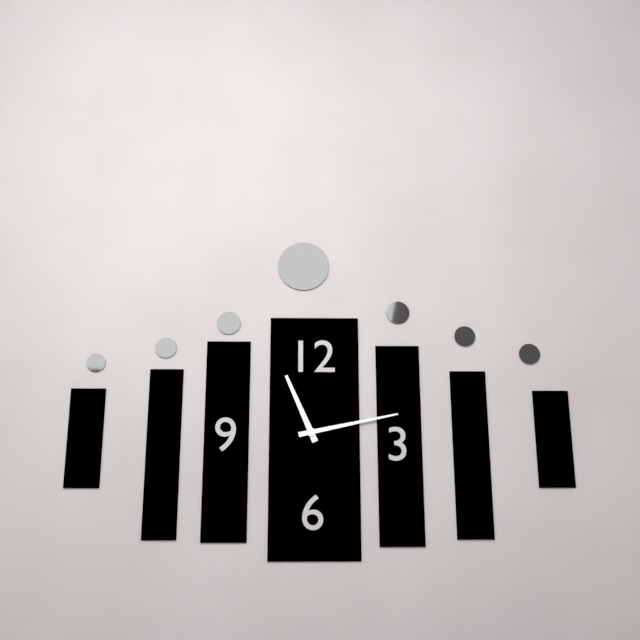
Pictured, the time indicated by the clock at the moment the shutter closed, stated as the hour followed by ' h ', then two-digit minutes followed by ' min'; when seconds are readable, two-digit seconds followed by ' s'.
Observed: 11 h 13 min
